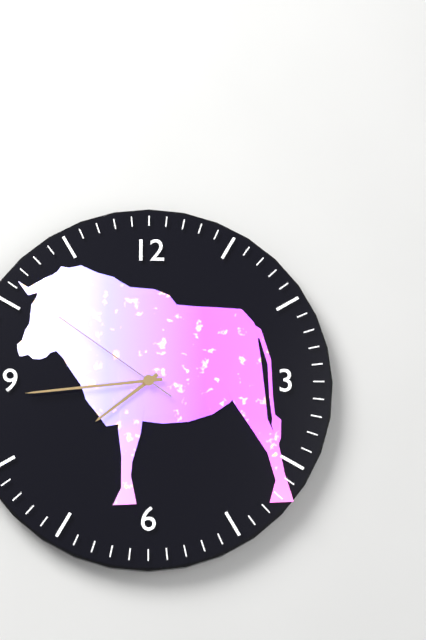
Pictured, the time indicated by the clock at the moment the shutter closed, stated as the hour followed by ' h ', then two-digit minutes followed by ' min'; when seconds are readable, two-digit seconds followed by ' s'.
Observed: 7 h 44 min 51 s
